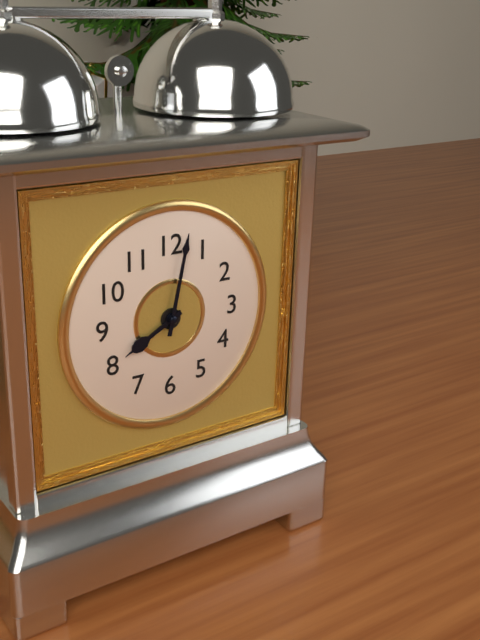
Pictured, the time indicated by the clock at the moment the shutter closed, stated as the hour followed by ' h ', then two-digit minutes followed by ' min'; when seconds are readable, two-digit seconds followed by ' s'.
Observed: 8 h 02 min
